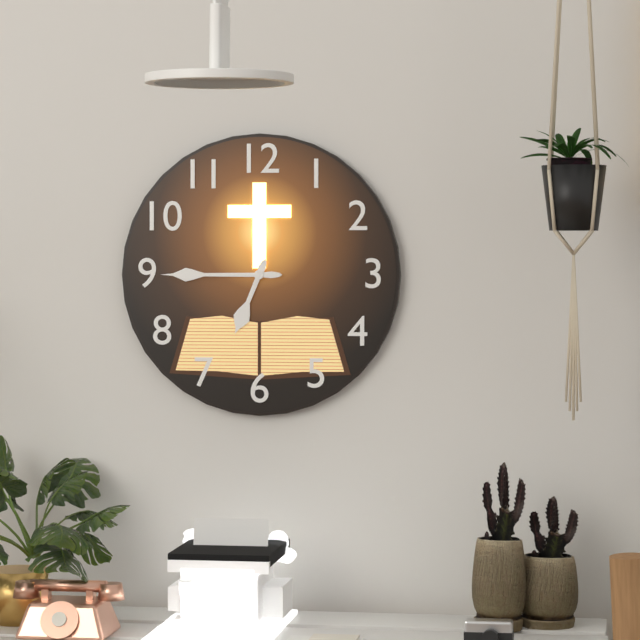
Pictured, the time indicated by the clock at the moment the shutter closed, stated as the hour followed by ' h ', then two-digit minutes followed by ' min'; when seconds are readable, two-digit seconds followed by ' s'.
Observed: 6 h 45 min
